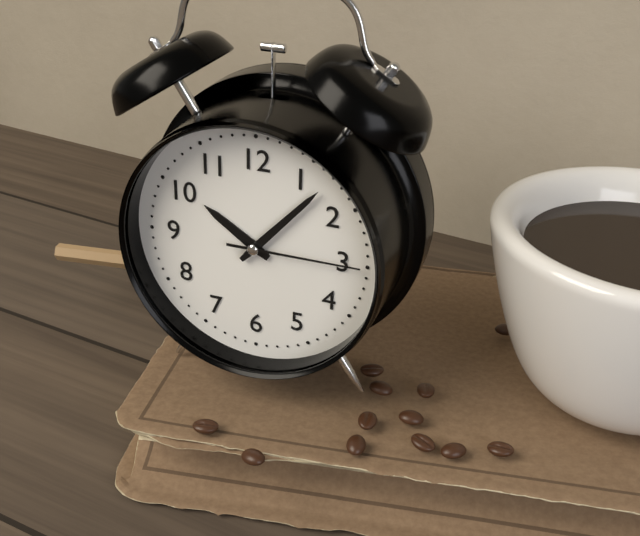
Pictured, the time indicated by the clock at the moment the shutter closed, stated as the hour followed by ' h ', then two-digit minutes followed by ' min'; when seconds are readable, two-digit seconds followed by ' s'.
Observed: 10 h 07 min 15 s
